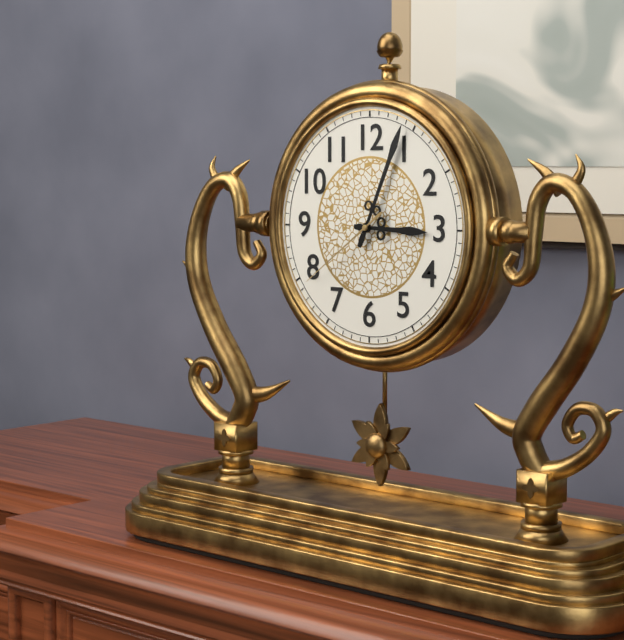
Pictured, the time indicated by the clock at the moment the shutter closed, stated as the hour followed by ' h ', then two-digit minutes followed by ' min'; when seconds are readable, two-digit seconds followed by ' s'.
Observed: 3 h 04 min 39 s
